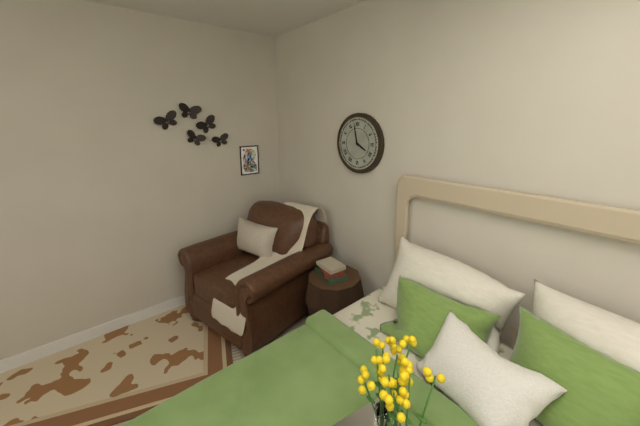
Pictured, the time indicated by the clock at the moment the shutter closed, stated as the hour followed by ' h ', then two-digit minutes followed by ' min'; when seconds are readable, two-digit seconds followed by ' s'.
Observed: 3 h 58 min
